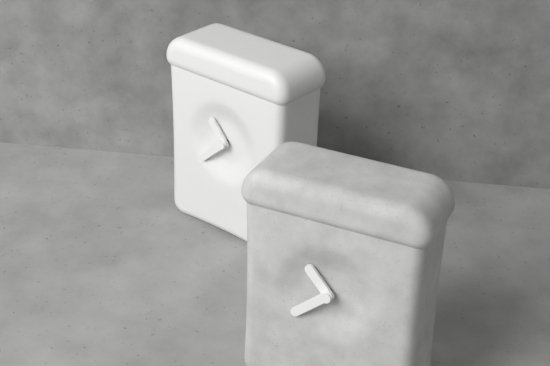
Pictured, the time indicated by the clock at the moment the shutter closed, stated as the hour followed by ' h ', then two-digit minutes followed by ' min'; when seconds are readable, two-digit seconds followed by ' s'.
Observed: 10 h 38 min
